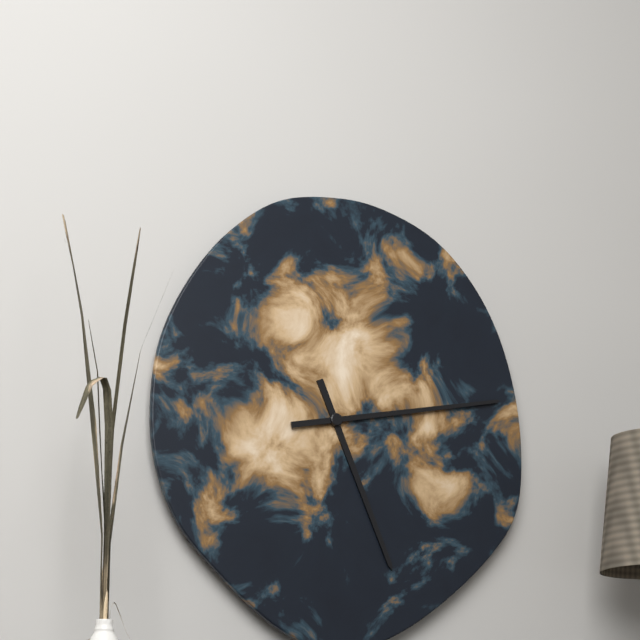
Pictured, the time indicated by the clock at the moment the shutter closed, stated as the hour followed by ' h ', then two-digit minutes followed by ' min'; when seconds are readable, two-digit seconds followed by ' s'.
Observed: 5 h 13 min
